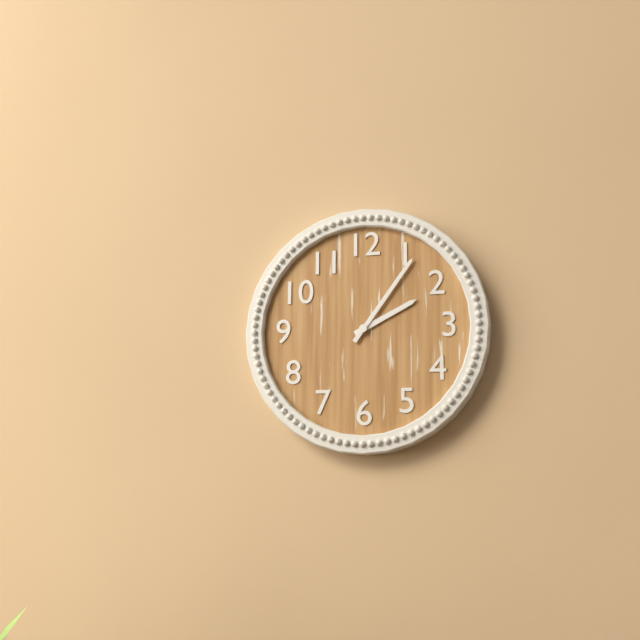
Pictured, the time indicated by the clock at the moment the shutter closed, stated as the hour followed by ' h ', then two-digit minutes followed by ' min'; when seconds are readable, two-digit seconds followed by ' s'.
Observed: 2 h 06 min
